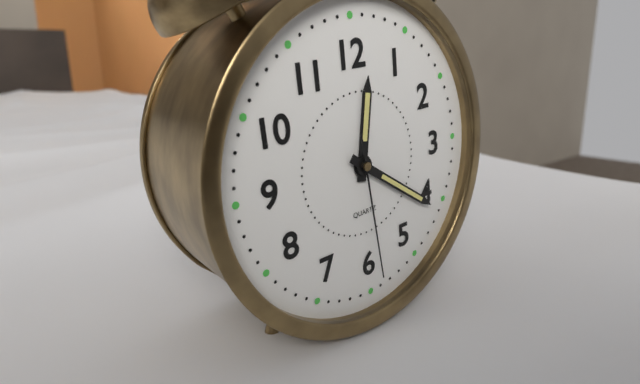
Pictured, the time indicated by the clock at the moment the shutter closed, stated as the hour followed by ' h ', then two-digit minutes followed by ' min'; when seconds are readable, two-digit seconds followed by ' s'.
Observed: 12 h 21 min 29 s
